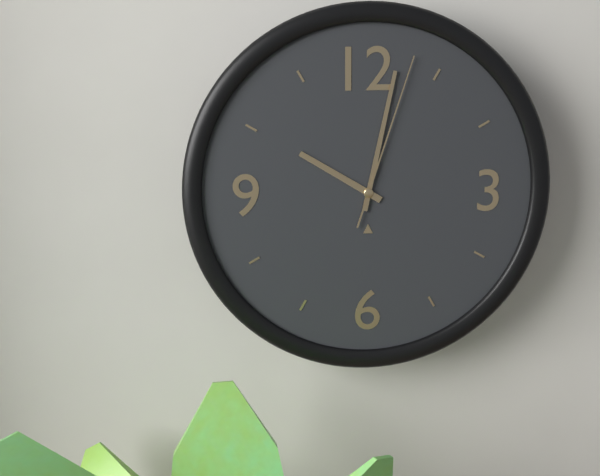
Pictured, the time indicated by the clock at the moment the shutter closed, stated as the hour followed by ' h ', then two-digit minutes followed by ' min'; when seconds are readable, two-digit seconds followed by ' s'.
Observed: 10 h 02 min 03 s
